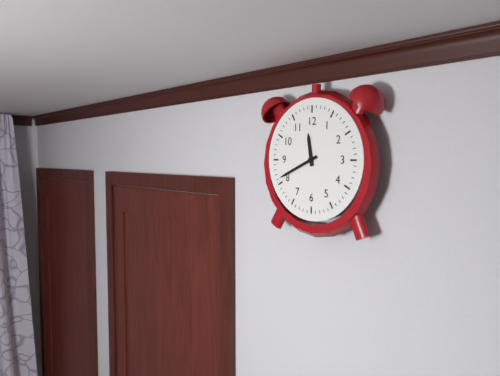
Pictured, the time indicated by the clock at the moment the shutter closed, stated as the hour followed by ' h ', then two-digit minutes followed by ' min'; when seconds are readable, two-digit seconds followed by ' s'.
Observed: 11 h 41 min
